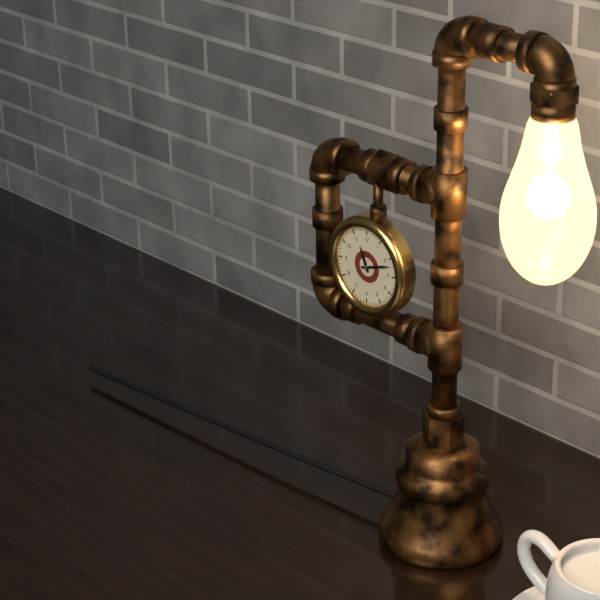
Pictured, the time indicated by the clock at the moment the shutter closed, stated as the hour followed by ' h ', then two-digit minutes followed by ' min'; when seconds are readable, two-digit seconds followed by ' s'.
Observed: 11 h 12 min
